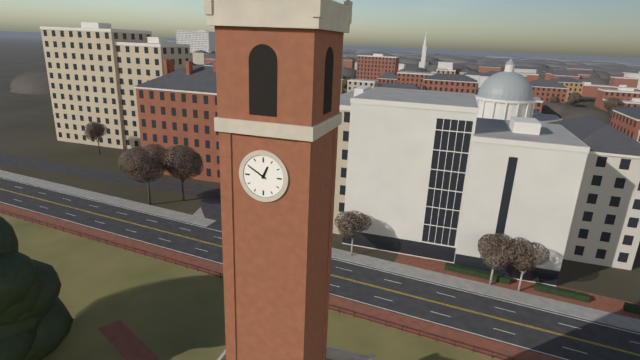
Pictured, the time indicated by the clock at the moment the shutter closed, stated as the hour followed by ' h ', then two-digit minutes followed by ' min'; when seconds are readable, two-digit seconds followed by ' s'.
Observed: 12 h 50 min
